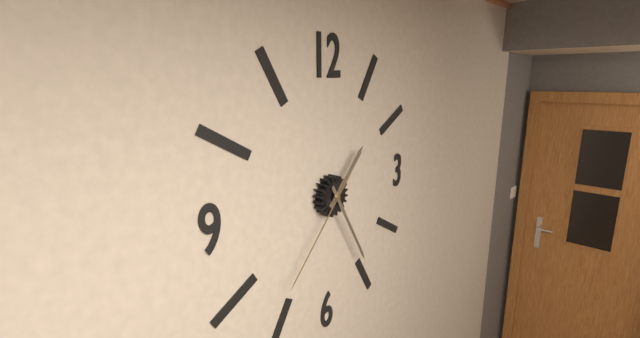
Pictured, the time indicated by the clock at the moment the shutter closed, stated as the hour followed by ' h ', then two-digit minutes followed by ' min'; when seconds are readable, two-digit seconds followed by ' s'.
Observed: 1 h 25 min 37 s
